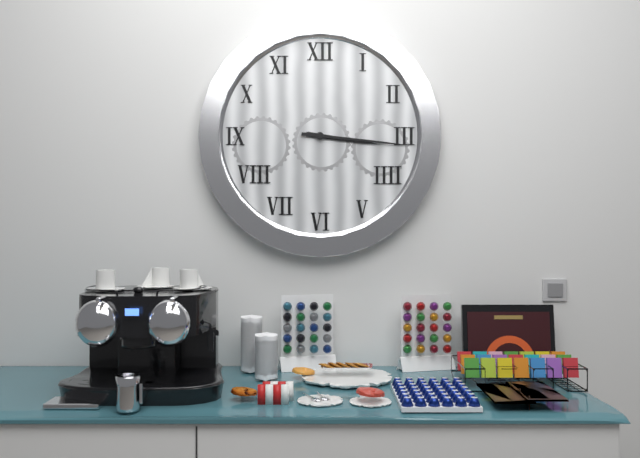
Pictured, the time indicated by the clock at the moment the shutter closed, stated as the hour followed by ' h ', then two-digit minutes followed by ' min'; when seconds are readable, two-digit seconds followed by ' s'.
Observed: 3 h 16 min
